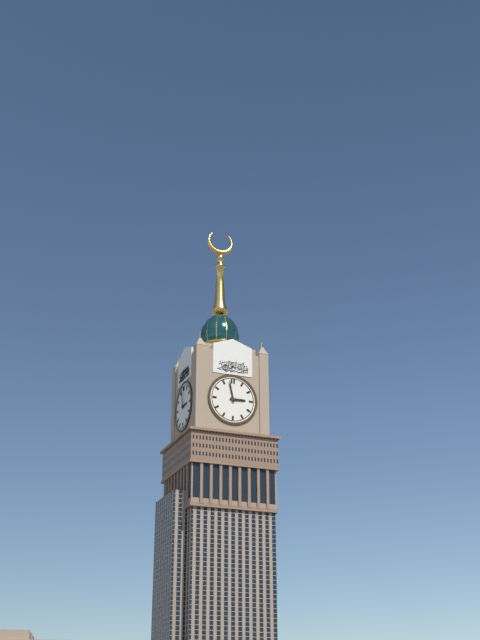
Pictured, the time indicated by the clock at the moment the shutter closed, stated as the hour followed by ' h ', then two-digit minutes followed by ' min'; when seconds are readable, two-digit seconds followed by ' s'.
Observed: 2 h 58 min
